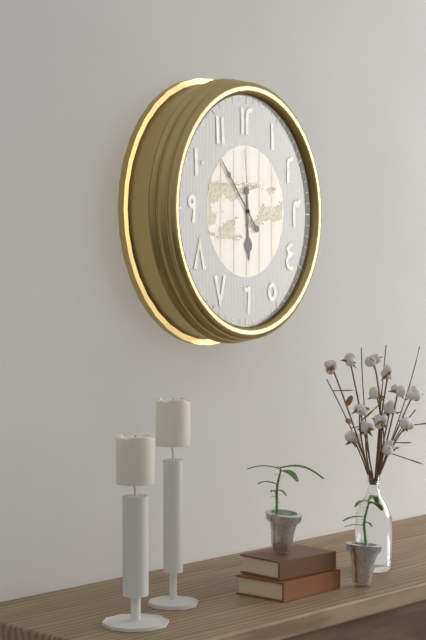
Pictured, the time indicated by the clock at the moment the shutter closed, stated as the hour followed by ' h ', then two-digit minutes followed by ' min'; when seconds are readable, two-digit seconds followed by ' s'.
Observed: 5 h 53 min 59 s
